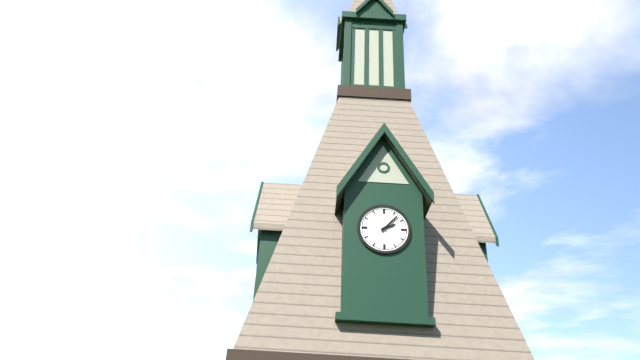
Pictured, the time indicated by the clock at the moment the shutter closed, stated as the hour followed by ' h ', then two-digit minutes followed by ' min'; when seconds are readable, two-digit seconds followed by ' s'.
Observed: 2 h 07 min
